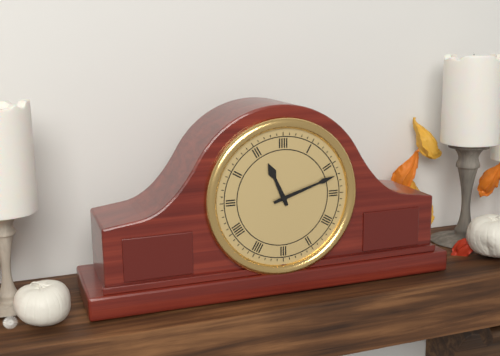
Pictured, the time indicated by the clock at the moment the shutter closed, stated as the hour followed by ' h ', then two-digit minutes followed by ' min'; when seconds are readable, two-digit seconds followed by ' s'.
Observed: 11 h 12 min
